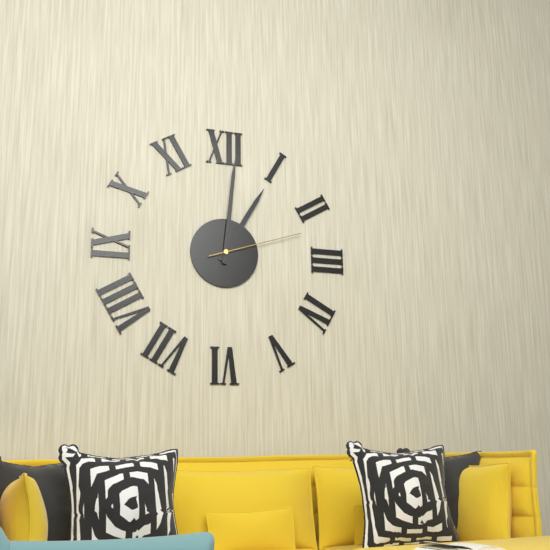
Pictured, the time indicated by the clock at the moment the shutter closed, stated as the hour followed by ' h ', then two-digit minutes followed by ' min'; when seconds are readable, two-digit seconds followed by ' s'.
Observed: 1 h 01 min 12 s
